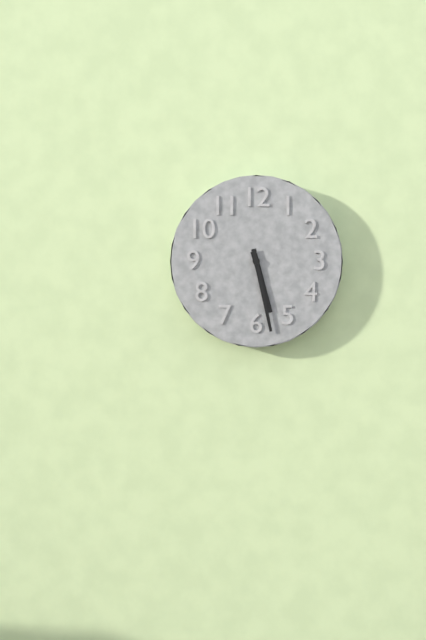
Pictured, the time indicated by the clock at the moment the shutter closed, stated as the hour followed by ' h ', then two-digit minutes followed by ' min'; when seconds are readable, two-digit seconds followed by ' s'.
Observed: 5 h 28 min
